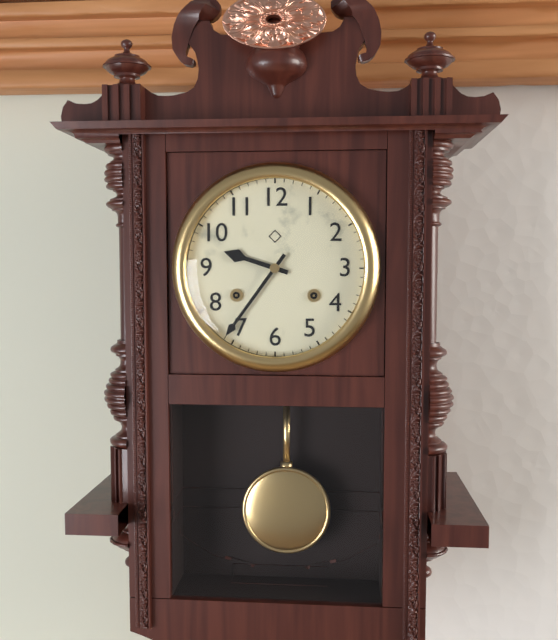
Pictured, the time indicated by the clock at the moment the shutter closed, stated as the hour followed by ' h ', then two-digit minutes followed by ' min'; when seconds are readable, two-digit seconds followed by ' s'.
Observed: 9 h 36 min
